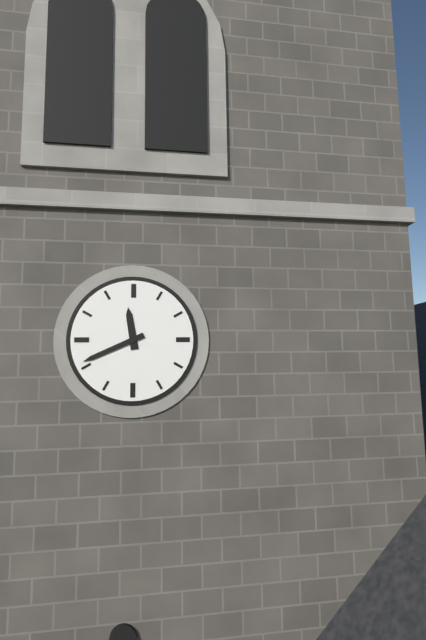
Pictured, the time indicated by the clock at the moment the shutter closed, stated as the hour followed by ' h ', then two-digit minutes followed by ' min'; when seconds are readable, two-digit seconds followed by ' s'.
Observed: 11 h 41 min
